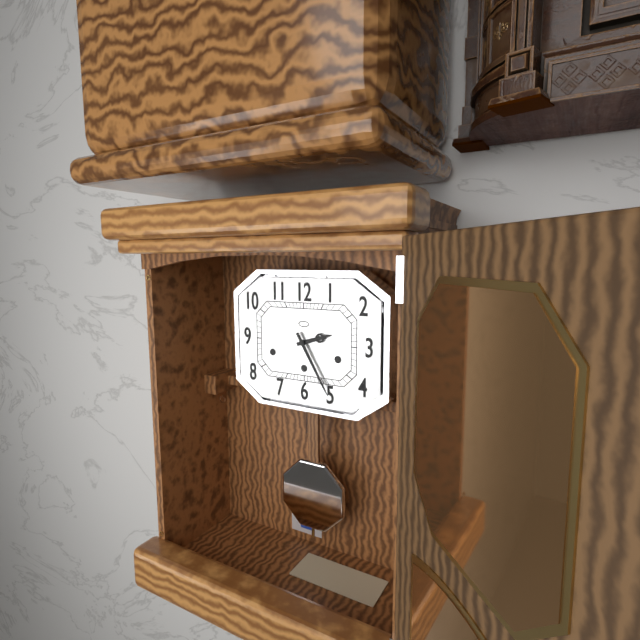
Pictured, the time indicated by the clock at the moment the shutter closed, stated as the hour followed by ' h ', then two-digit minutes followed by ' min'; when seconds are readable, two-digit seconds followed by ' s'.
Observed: 2 h 25 min
